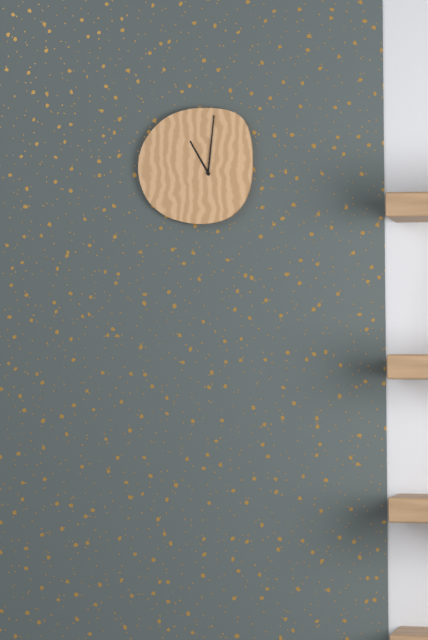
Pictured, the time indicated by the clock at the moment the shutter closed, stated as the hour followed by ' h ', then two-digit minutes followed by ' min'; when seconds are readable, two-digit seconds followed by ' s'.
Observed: 11 h 01 min
